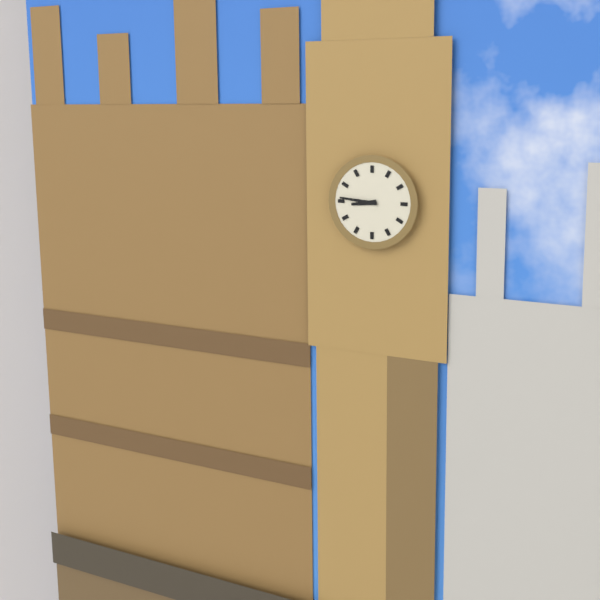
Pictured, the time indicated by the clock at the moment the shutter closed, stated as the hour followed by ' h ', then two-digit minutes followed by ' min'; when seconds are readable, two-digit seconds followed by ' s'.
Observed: 8 h 46 min
